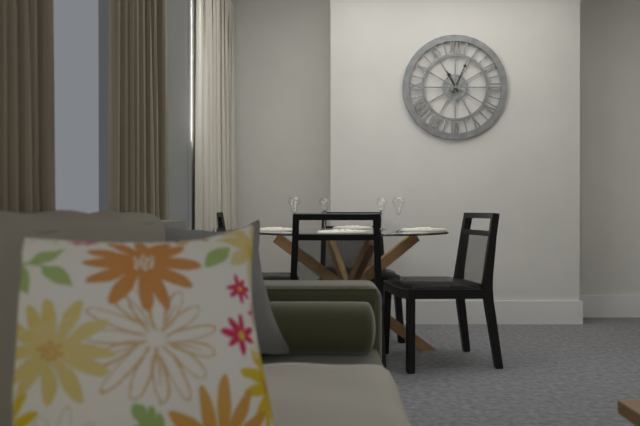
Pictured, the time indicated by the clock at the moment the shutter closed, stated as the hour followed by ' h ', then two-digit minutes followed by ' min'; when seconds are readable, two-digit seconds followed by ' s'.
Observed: 11 h 04 min
